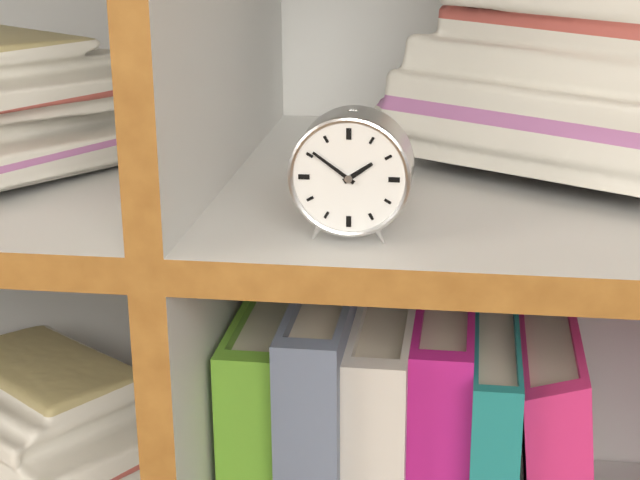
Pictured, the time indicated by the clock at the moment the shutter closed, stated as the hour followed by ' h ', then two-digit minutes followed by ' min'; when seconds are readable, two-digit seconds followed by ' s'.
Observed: 1 h 51 min
